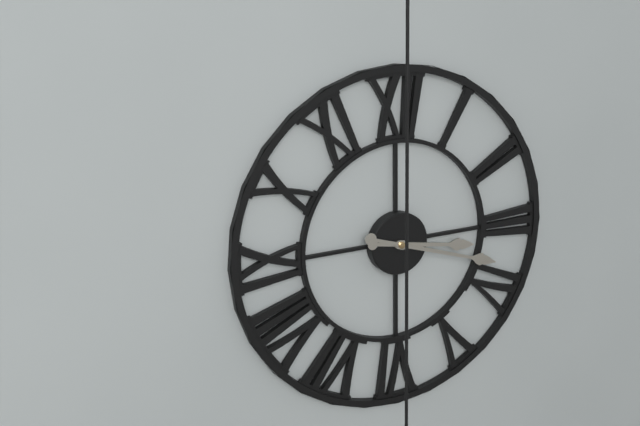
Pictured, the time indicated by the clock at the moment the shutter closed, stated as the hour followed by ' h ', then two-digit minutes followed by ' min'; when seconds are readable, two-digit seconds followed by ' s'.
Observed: 3 h 18 min
